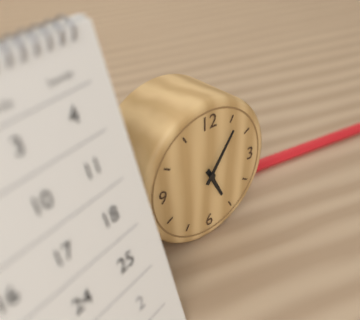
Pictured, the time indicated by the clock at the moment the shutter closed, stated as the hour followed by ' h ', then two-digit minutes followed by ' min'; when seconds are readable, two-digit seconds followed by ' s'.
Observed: 5 h 06 min
